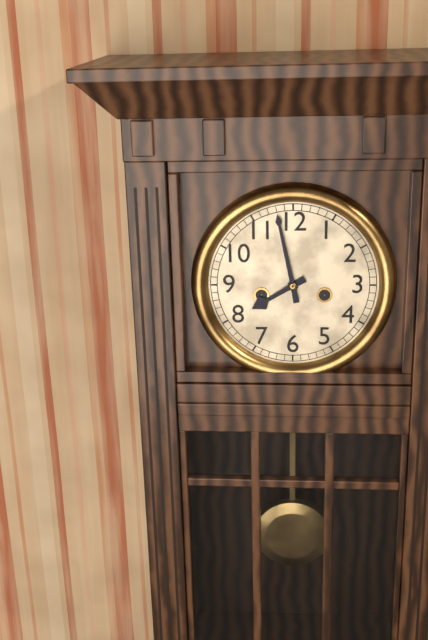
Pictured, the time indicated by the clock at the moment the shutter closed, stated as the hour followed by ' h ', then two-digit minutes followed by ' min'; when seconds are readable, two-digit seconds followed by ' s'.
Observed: 7 h 58 min
